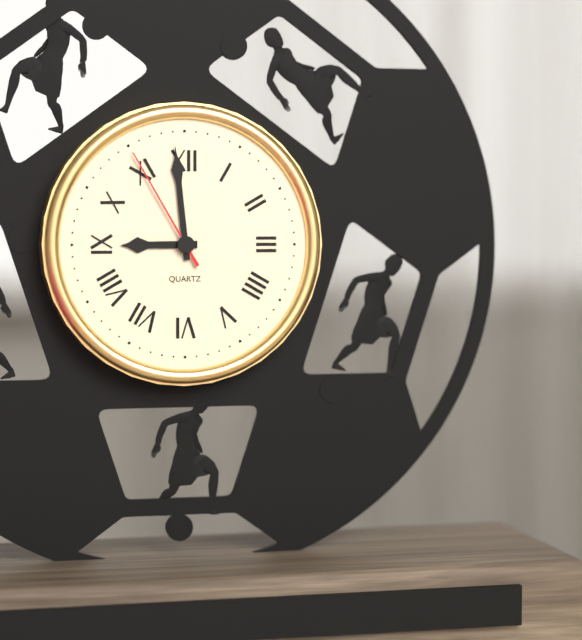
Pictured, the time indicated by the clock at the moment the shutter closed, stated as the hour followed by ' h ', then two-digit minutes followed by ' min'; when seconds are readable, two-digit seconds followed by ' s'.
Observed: 8 h 59 min 55 s
